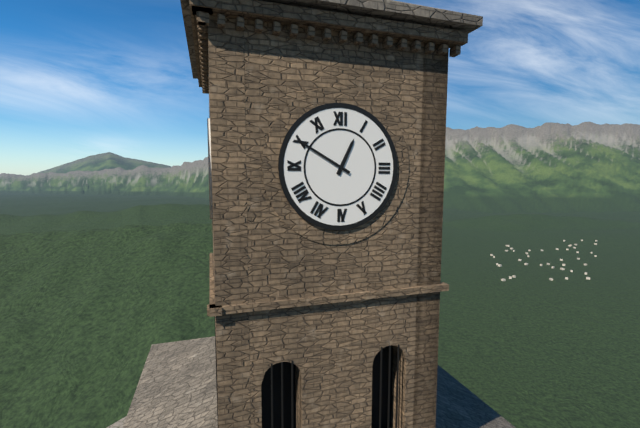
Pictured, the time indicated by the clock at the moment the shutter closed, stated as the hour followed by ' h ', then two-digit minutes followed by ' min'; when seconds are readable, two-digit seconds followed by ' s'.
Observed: 12 h 50 min
